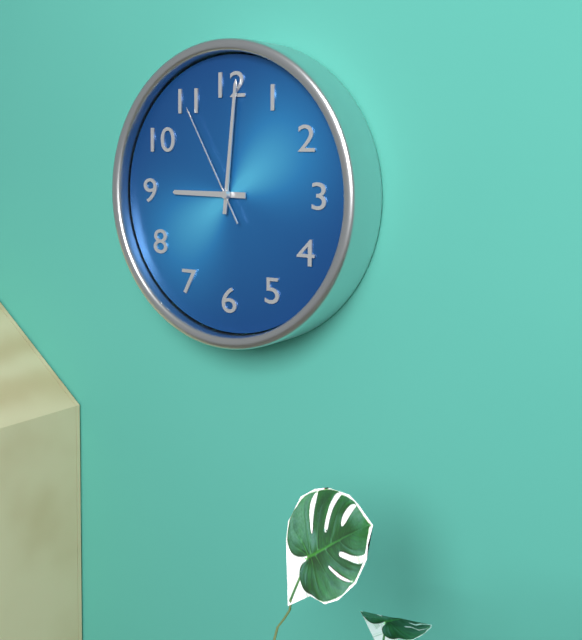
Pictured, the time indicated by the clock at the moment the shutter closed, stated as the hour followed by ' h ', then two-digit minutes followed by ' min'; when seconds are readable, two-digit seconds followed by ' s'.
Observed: 9 h 01 min 55 s
